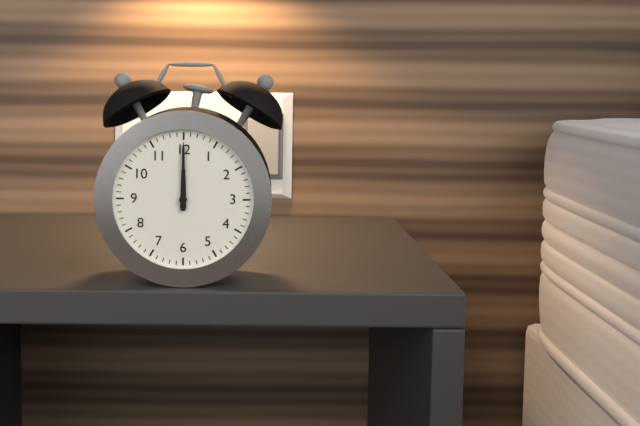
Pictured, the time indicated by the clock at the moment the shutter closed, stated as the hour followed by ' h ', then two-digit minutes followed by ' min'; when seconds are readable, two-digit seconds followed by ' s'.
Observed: 12 h 00 min
